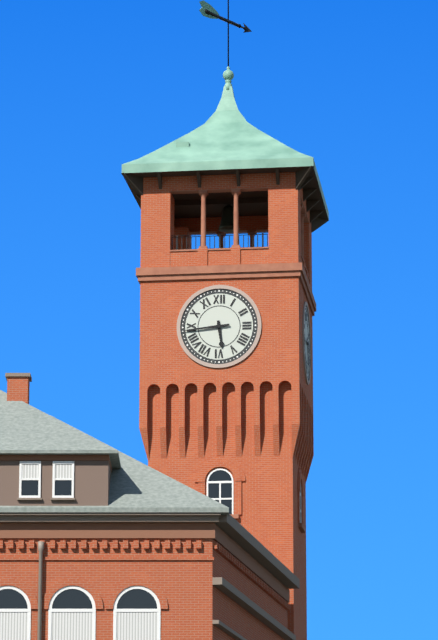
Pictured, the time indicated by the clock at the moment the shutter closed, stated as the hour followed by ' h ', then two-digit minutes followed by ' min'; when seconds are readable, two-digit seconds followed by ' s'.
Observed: 5 h 44 min
